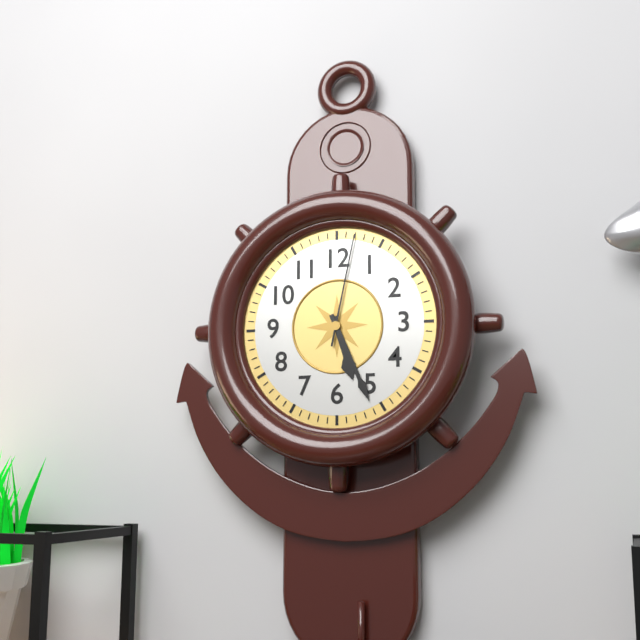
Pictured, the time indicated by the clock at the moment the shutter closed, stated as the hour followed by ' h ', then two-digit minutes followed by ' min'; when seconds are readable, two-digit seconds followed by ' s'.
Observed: 5 h 26 min 02 s
